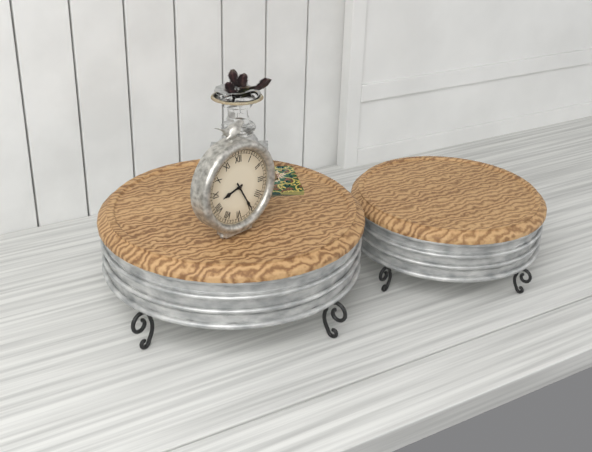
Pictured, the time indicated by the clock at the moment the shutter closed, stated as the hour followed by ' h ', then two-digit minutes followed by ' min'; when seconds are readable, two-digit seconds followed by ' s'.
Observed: 8 h 25 min
